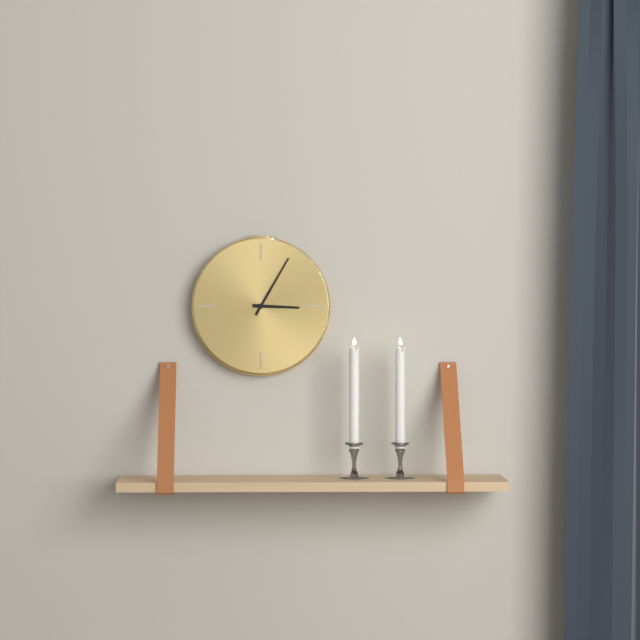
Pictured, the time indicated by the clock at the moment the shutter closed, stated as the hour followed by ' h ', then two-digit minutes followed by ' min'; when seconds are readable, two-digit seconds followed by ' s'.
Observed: 3 h 05 min
